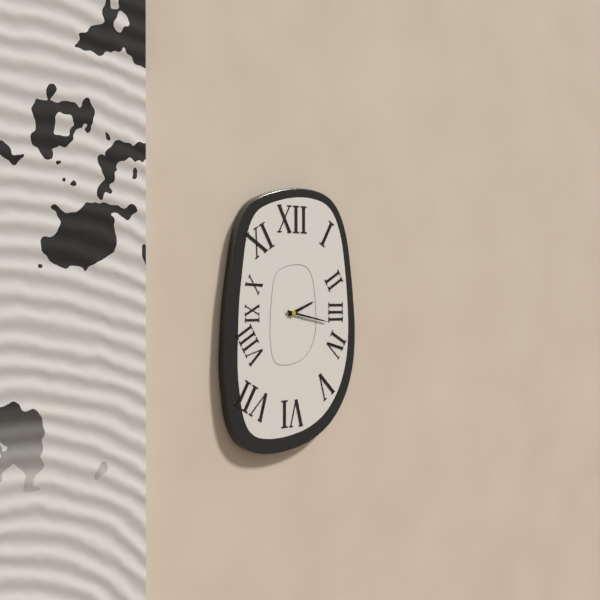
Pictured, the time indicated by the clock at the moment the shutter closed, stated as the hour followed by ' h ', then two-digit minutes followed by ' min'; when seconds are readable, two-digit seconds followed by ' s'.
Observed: 2 h 17 min
